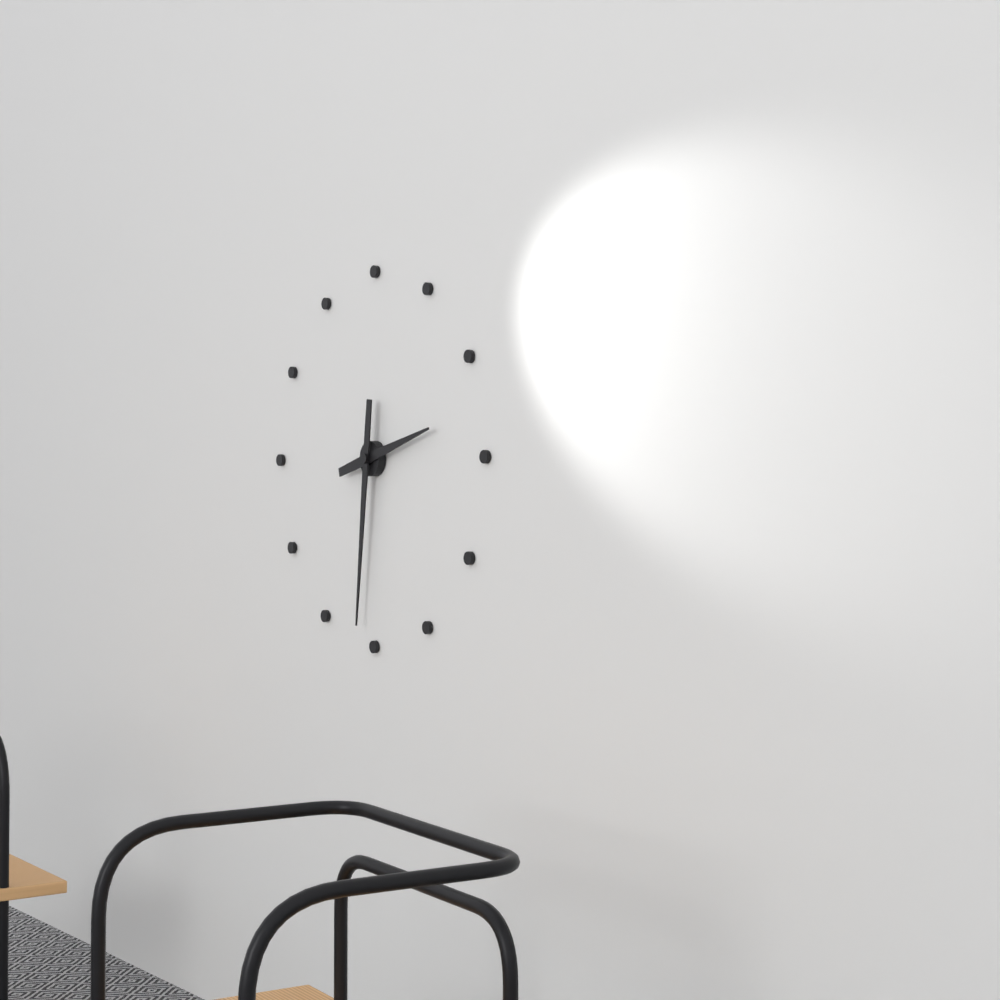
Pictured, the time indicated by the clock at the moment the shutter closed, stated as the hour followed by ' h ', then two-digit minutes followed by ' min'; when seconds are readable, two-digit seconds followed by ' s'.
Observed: 2 h 31 min
